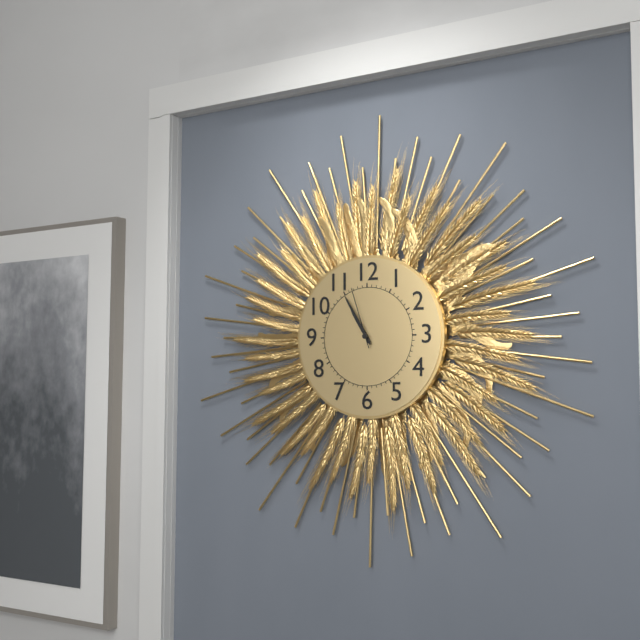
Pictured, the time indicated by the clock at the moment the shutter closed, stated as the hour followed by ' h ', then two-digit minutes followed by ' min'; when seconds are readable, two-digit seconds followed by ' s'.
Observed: 10 h 55 min 57 s
